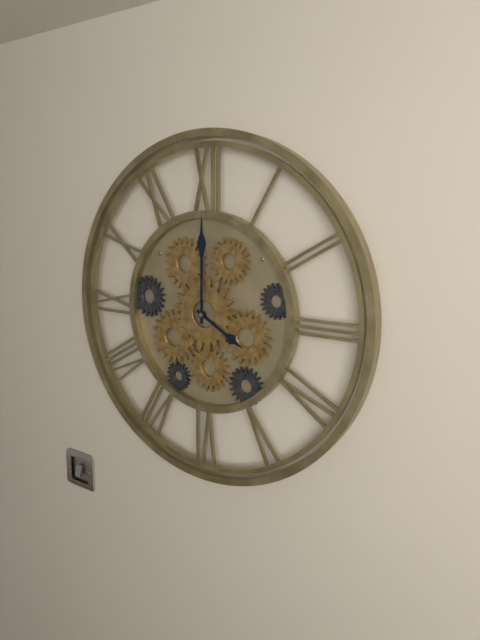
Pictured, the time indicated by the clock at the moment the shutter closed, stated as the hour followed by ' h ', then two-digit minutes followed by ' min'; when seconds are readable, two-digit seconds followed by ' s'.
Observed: 4 h 00 min
